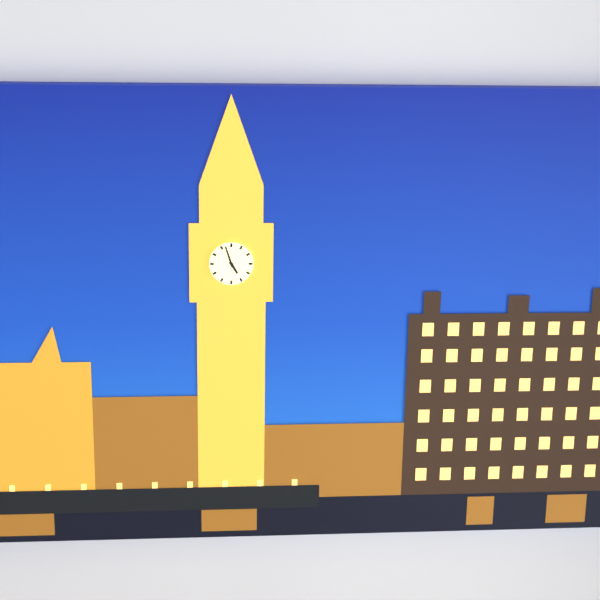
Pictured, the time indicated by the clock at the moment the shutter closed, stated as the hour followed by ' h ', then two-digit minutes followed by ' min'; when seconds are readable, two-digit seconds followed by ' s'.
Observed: 4 h 57 min
